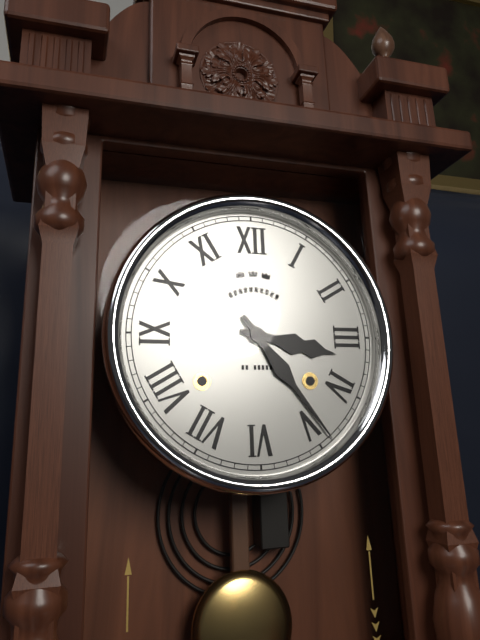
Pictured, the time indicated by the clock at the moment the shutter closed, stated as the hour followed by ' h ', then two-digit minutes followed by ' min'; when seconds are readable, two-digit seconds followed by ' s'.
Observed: 3 h 24 min
